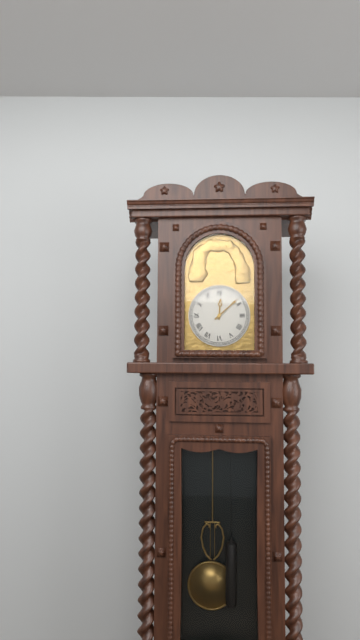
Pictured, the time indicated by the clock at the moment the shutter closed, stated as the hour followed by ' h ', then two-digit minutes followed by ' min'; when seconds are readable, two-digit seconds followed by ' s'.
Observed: 12 h 08 min
